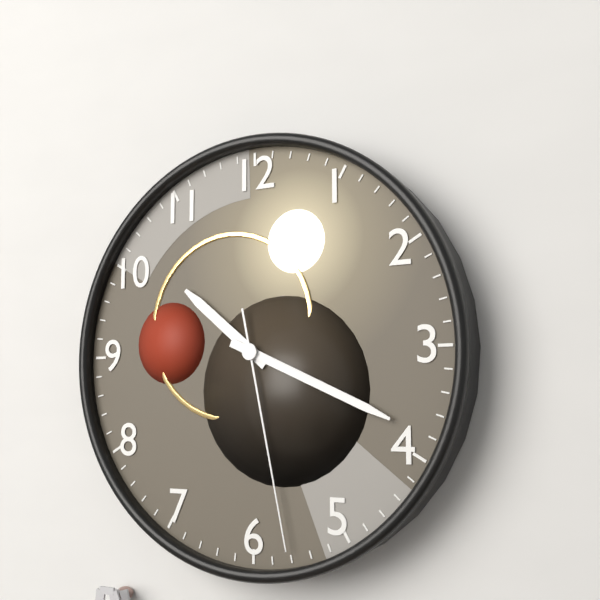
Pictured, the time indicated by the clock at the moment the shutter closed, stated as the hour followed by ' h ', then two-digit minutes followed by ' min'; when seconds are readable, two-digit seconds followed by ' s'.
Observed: 10 h 19 min 28 s
